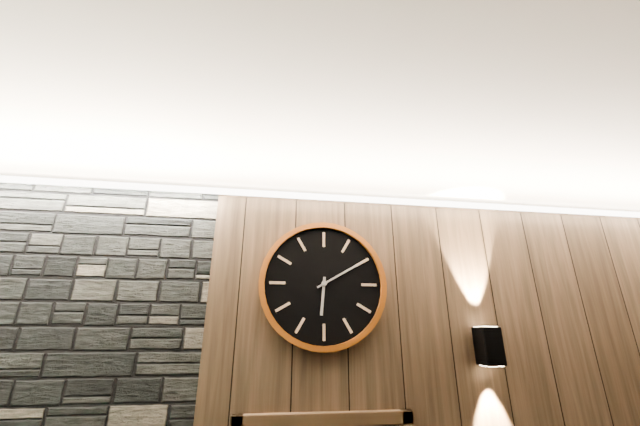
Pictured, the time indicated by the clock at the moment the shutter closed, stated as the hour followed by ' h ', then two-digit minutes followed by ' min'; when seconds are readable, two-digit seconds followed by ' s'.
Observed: 6 h 10 min
